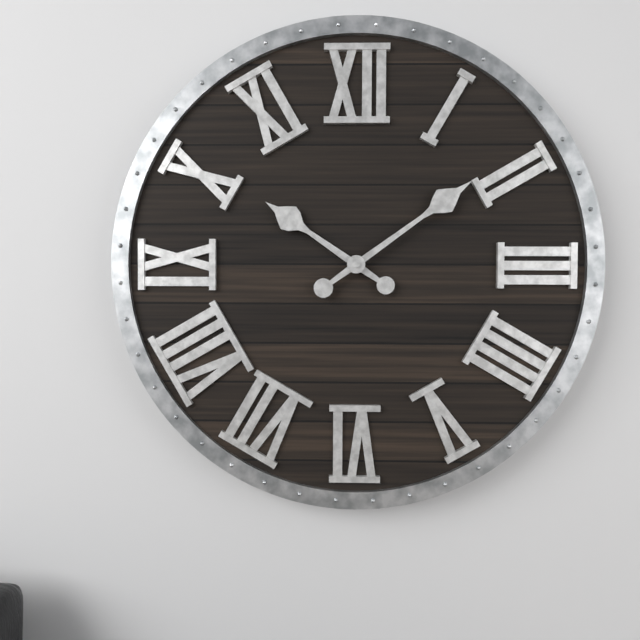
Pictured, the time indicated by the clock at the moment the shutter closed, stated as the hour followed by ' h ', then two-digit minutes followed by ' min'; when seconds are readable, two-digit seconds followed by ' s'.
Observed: 10 h 09 min
